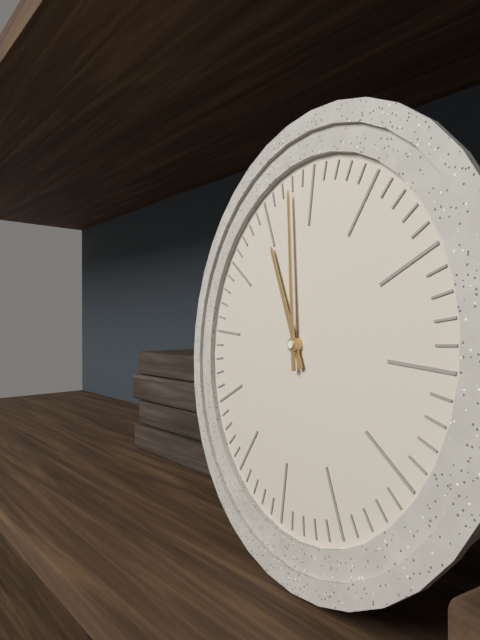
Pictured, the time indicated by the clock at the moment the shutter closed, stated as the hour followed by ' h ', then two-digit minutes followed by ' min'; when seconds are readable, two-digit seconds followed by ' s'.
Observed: 10 h 58 min
